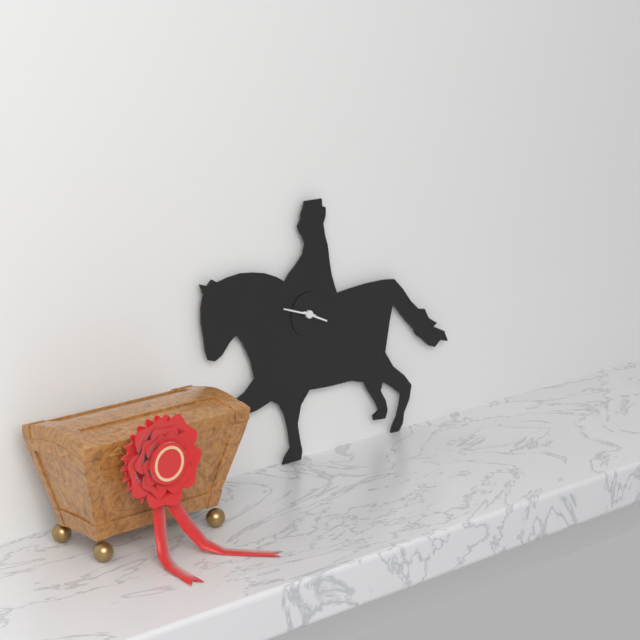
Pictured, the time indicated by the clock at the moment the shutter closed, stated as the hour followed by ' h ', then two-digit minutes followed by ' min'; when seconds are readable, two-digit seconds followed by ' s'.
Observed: 3 h 48 min
